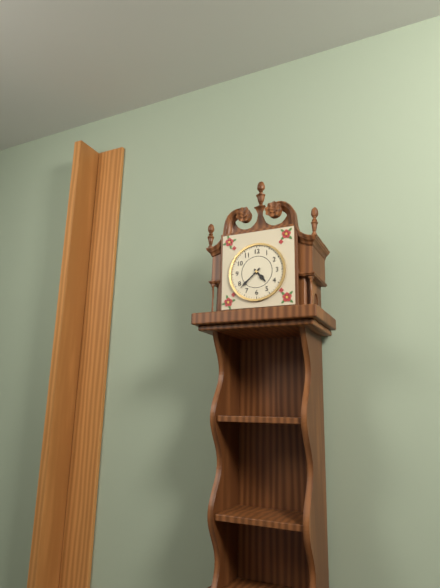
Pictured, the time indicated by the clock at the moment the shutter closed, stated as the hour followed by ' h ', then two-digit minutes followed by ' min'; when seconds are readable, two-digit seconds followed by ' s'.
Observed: 4 h 38 min
